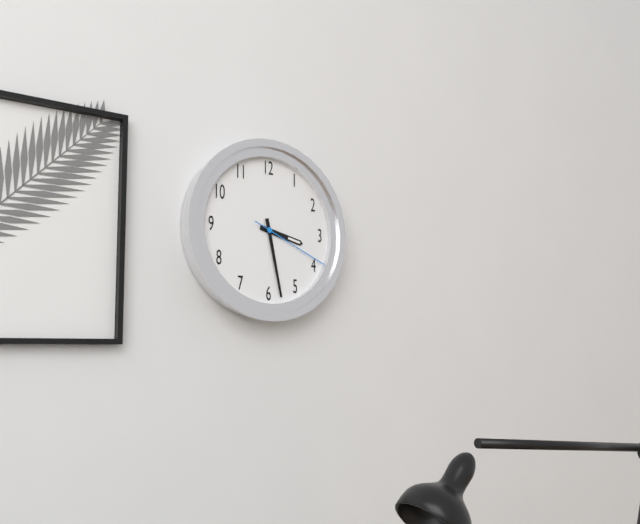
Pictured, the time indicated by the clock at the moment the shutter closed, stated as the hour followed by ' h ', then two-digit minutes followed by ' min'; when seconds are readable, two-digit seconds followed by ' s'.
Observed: 3 h 28 min 19 s
